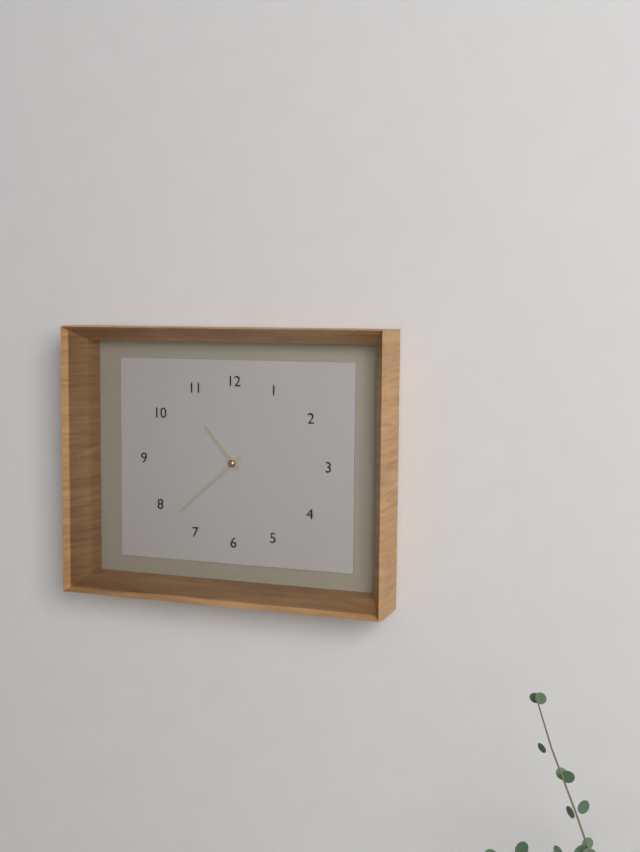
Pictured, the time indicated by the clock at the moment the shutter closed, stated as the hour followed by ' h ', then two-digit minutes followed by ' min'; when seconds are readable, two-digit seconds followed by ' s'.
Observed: 10 h 38 min
